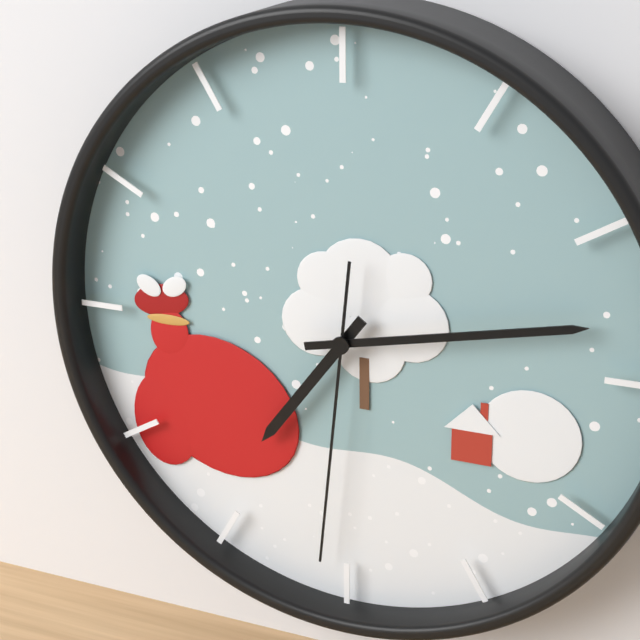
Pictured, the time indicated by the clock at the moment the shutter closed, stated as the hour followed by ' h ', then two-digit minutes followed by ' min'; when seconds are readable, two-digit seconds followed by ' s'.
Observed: 7 h 13 min 31 s
